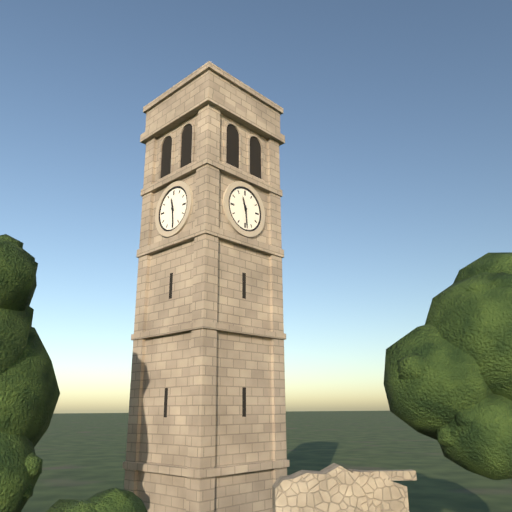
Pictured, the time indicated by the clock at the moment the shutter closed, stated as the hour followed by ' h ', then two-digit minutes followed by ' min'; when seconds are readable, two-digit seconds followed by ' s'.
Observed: 11 h 29 min
